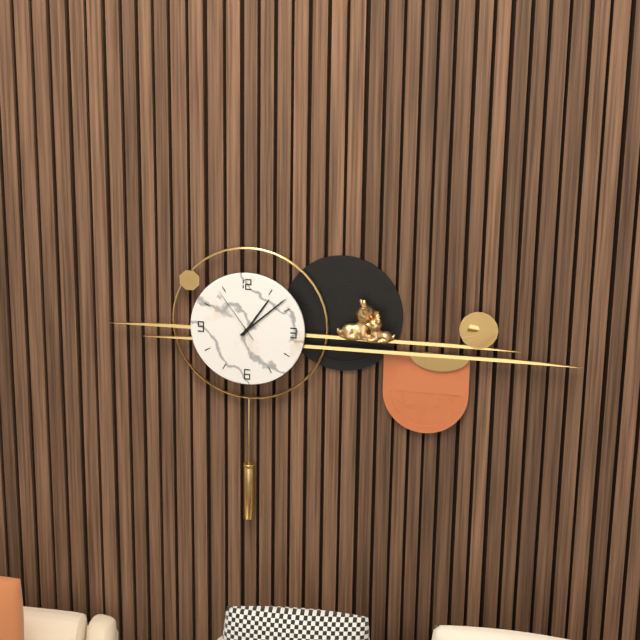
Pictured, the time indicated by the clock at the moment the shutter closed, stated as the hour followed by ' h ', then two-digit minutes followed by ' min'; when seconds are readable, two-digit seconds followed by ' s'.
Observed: 1 h 08 min 54 s
